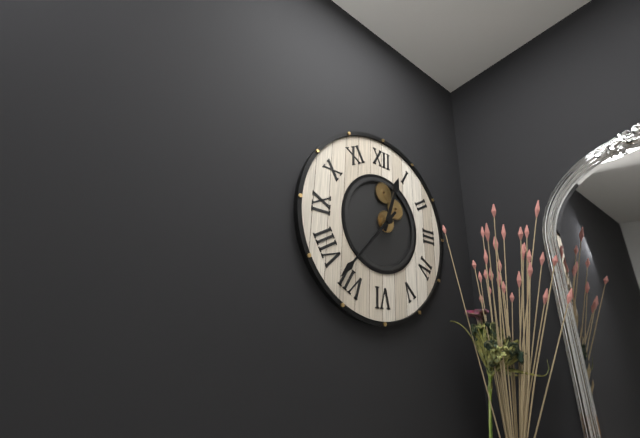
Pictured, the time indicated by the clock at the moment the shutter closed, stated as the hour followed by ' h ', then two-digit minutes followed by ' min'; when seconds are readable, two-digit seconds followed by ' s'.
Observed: 12 h 37 min
